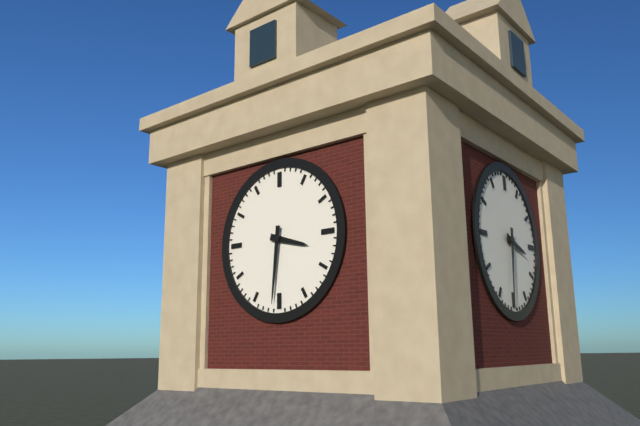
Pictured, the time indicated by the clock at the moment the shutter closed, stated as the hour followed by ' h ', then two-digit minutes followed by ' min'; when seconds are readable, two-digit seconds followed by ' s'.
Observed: 3 h 31 min
